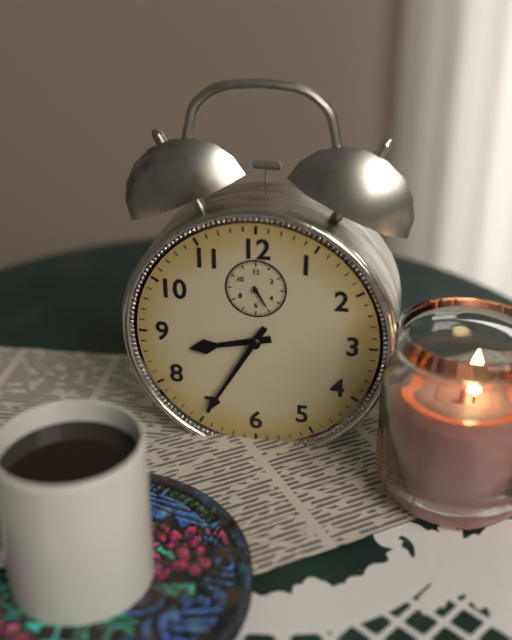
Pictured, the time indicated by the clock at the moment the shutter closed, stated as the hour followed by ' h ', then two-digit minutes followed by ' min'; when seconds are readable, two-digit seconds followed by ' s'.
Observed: 8 h 35 min
